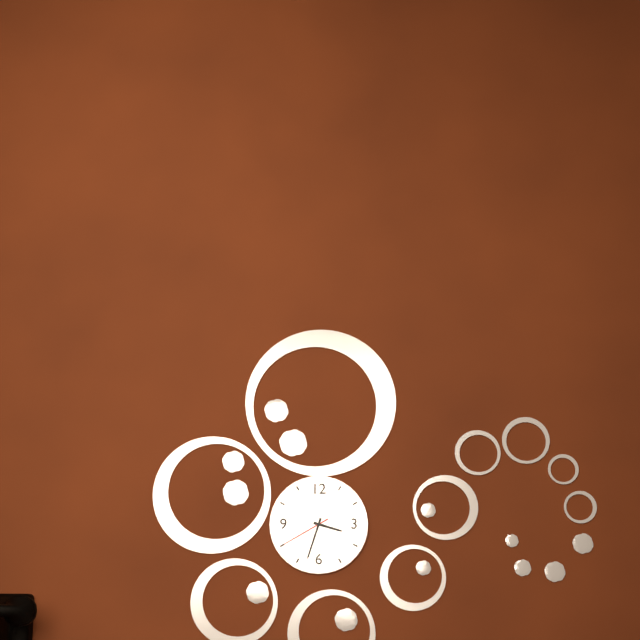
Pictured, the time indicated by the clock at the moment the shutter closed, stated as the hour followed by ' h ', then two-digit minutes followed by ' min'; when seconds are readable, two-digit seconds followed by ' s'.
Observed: 3 h 33 min 40 s
